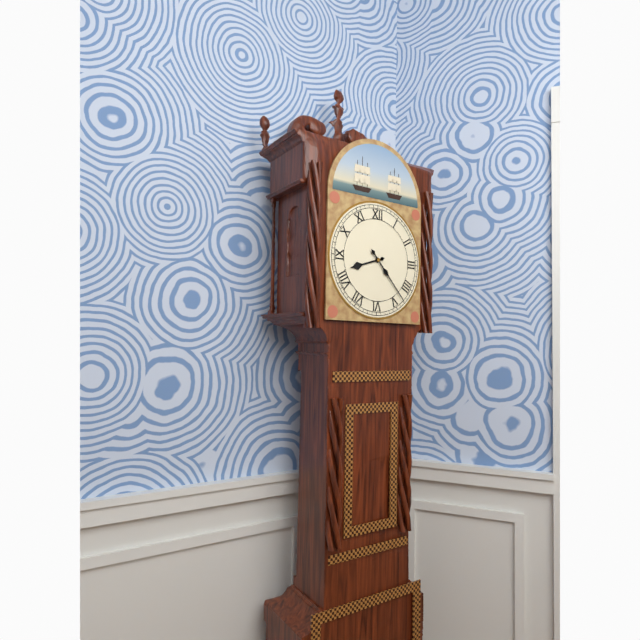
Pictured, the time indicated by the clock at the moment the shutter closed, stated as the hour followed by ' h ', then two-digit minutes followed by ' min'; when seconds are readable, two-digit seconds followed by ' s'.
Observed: 8 h 23 min
